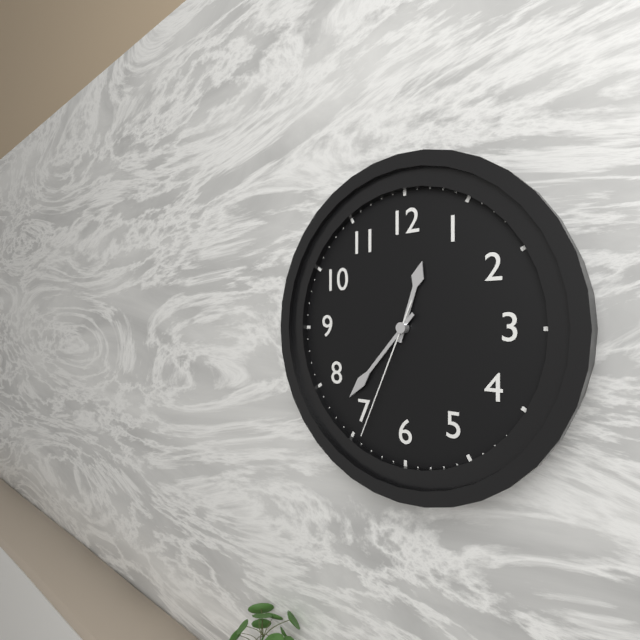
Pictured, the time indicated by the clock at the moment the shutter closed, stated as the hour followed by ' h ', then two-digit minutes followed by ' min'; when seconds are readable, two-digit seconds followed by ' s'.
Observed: 12 h 37 min 34 s
